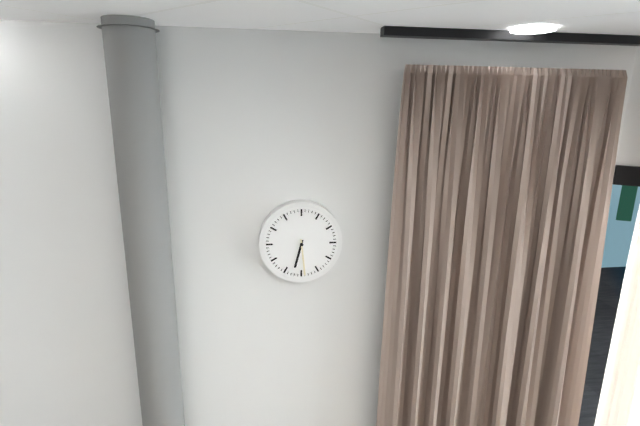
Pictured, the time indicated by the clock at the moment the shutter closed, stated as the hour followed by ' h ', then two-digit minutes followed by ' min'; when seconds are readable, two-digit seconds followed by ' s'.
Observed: 6 h 29 min
